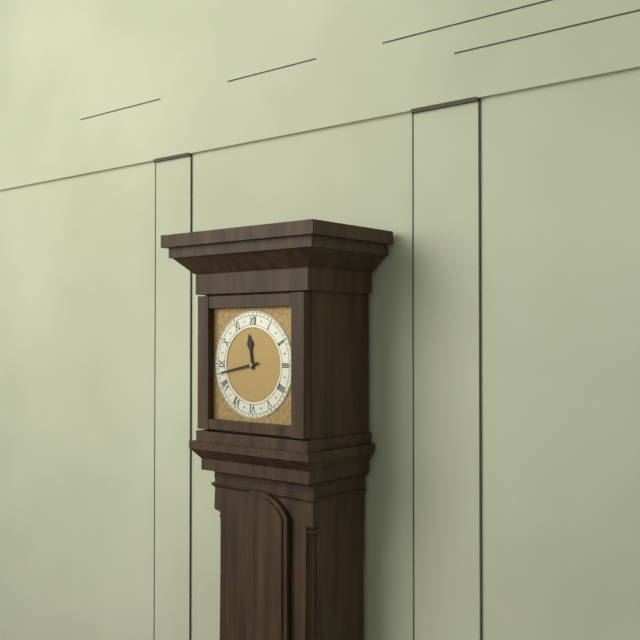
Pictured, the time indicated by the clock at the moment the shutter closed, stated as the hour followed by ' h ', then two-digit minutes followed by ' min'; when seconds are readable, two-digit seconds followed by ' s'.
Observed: 11 h 43 min
